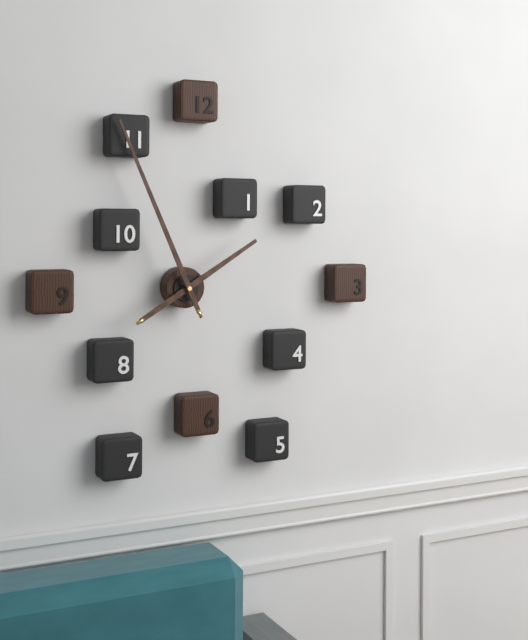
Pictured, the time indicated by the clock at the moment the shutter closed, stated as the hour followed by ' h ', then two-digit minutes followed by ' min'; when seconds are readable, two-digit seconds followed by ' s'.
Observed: 1 h 56 min
